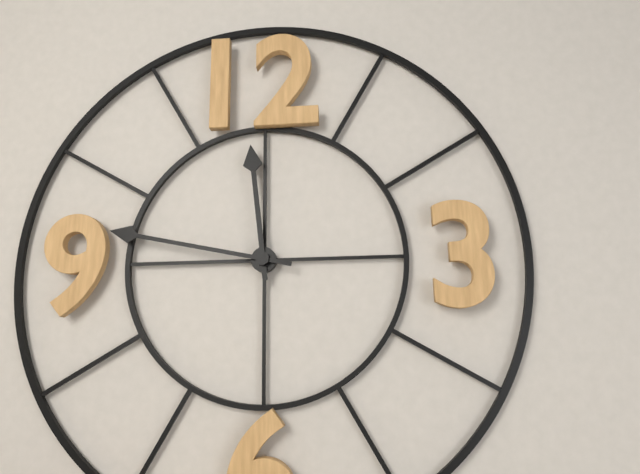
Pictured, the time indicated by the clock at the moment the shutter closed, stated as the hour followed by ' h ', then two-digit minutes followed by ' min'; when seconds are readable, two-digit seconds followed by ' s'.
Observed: 11 h 47 min
